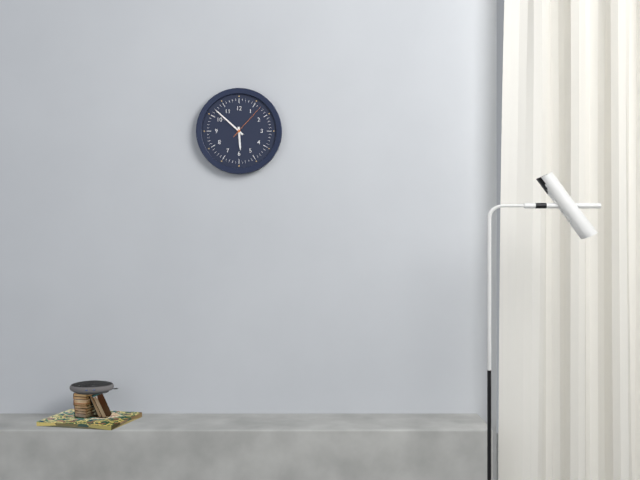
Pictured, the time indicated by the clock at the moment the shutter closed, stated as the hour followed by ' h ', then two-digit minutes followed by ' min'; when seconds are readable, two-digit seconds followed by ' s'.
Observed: 5 h 52 min
